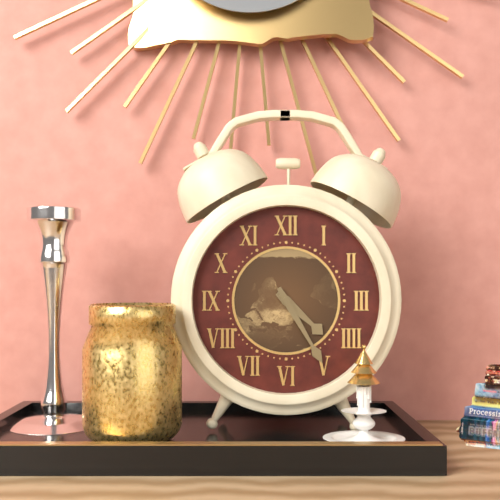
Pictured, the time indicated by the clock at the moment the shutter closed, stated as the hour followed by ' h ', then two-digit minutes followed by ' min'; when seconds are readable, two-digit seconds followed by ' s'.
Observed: 4 h 25 min
